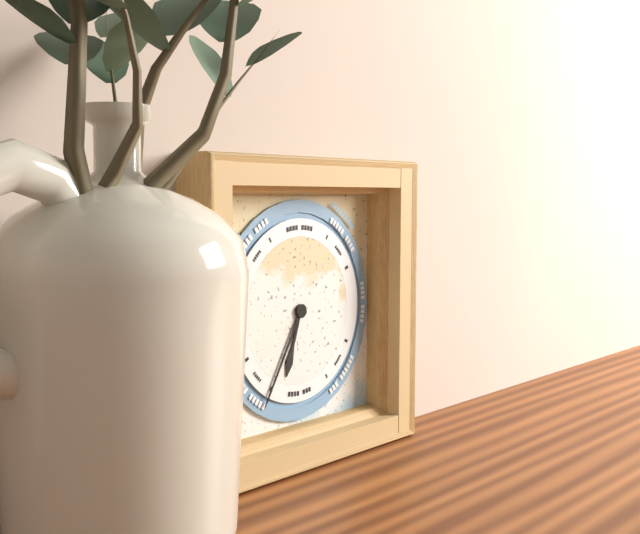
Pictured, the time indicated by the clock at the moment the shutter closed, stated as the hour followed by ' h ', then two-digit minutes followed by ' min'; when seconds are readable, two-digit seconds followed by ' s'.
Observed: 6 h 35 min
